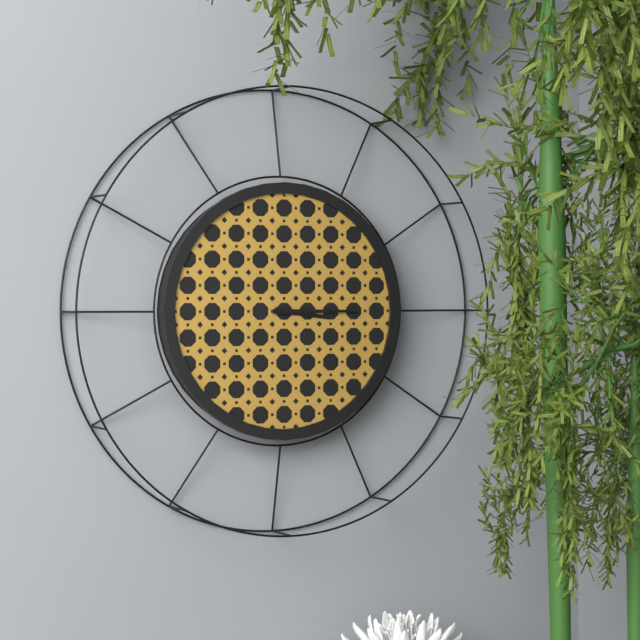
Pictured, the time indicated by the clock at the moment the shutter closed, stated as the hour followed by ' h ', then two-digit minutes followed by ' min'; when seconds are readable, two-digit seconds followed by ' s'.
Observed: 3 h 15 min
